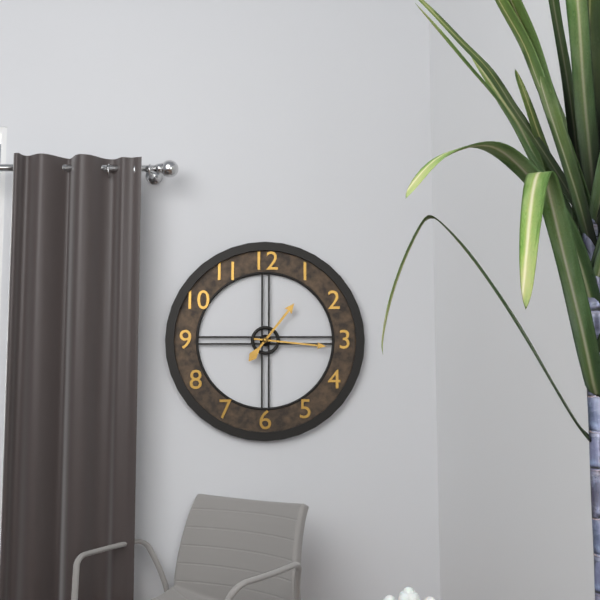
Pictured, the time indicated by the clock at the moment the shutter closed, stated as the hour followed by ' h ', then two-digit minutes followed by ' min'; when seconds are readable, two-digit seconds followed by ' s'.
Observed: 1 h 16 min
